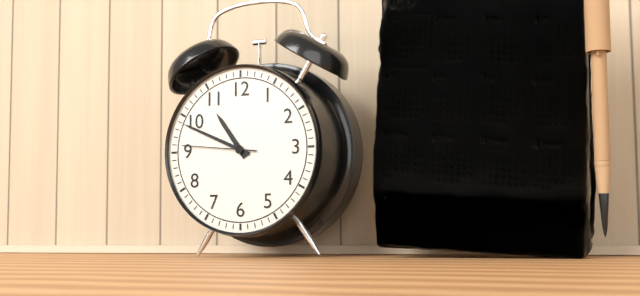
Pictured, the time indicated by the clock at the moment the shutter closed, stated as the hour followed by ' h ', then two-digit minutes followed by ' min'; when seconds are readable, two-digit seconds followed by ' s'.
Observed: 10 h 49 min 46 s
